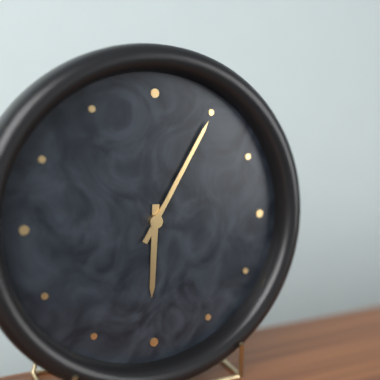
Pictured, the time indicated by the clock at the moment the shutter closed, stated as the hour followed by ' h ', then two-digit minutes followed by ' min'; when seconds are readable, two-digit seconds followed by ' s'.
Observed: 6 h 05 min
